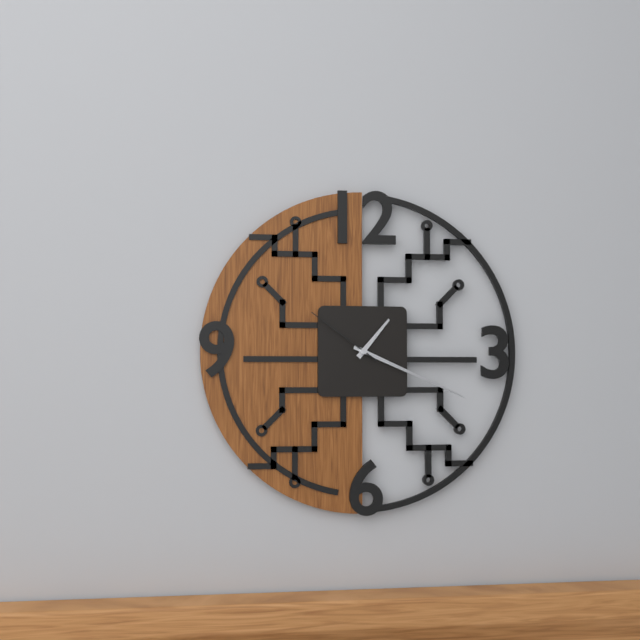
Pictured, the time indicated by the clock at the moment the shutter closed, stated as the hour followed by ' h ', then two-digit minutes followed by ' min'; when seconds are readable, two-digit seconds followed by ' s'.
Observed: 1 h 19 min 51 s
